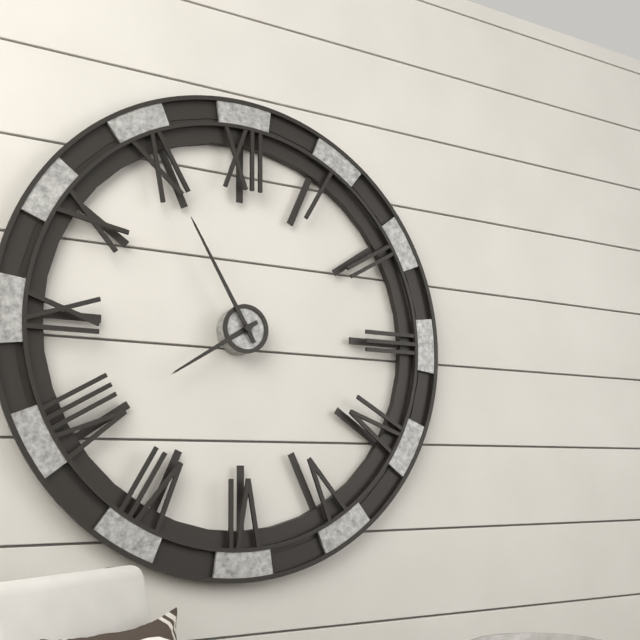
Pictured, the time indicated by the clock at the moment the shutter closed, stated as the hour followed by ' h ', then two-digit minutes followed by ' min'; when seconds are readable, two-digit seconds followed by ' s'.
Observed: 7 h 55 min
